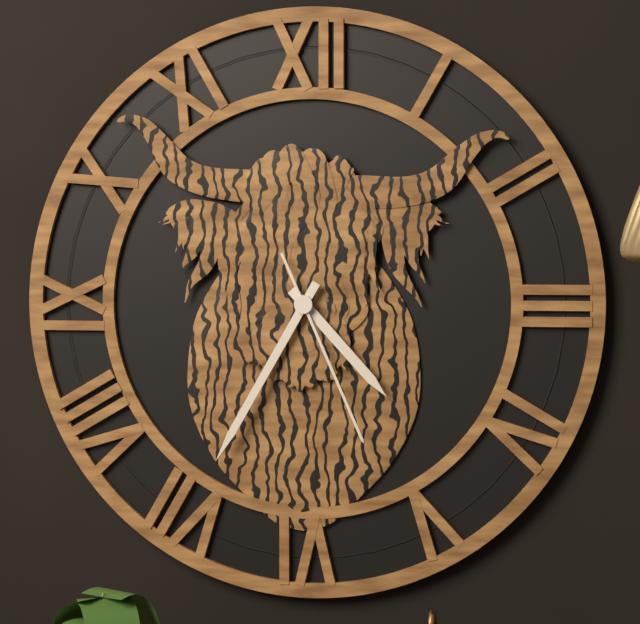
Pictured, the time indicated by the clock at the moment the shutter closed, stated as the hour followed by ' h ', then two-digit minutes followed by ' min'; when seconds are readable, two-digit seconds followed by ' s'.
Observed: 4 h 35 min 26 s
